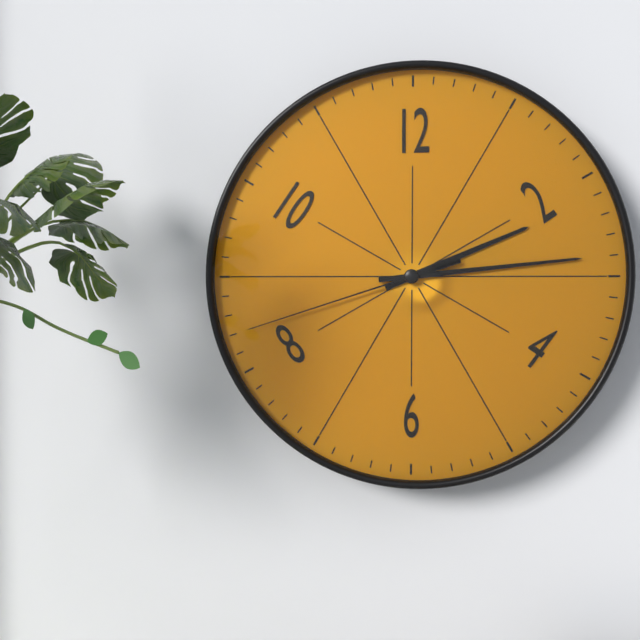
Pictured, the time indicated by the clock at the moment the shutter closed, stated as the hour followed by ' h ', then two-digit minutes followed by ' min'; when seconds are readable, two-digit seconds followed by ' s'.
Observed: 2 h 14 min 42 s
